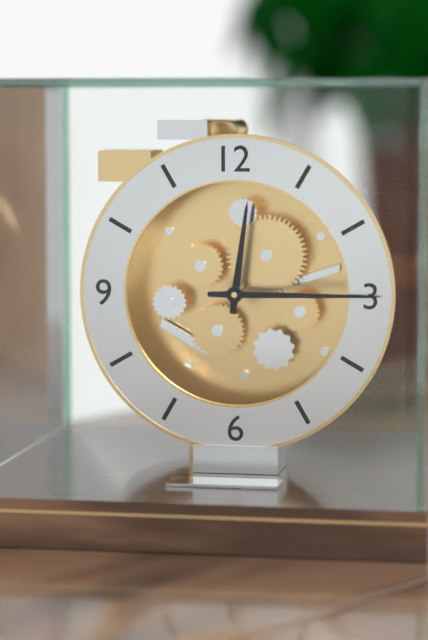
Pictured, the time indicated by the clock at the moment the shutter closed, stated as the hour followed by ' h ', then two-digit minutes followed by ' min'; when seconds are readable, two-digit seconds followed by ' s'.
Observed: 12 h 15 min
